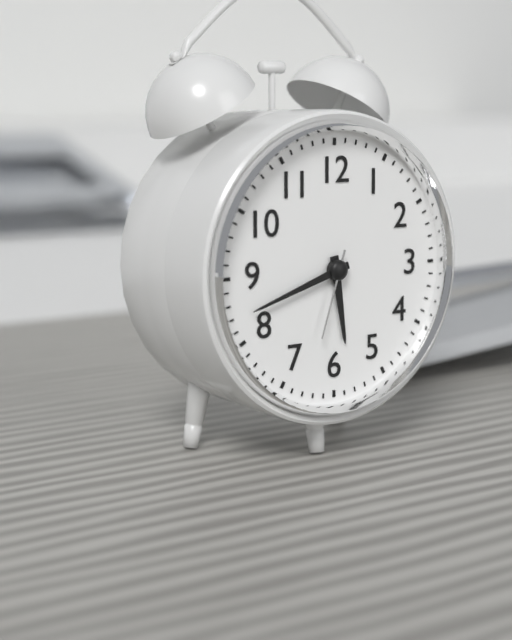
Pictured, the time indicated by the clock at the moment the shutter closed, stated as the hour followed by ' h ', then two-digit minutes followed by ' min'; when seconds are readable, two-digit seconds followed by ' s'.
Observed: 5 h 42 min 33 s
